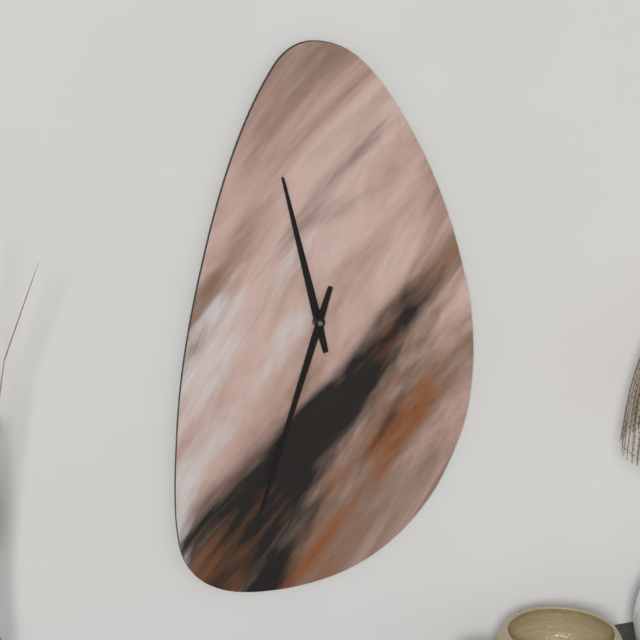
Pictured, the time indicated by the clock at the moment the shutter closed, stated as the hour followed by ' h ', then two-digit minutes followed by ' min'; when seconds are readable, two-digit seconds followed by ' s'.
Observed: 11 h 33 min
